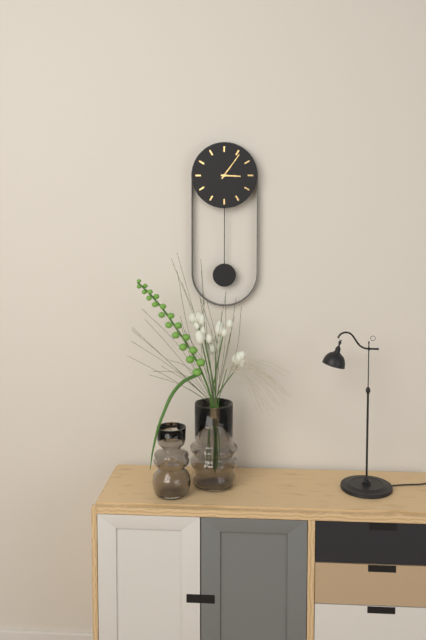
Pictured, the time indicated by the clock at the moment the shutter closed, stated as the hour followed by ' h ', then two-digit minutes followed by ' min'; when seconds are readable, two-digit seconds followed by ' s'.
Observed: 3 h 06 min
